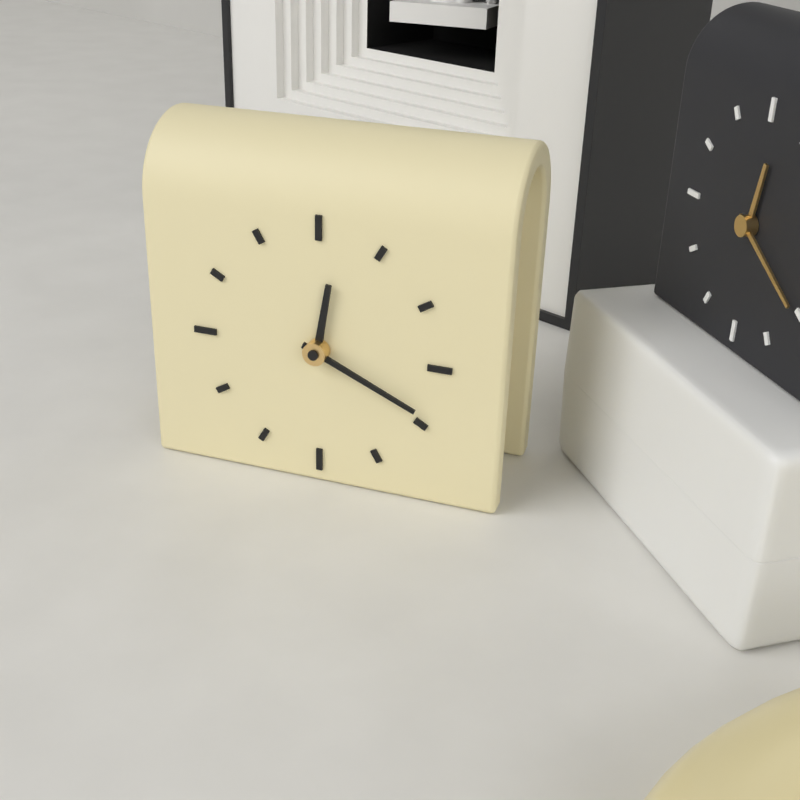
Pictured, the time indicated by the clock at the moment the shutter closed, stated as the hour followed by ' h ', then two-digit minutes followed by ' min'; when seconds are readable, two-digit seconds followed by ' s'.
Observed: 12 h 19 min
